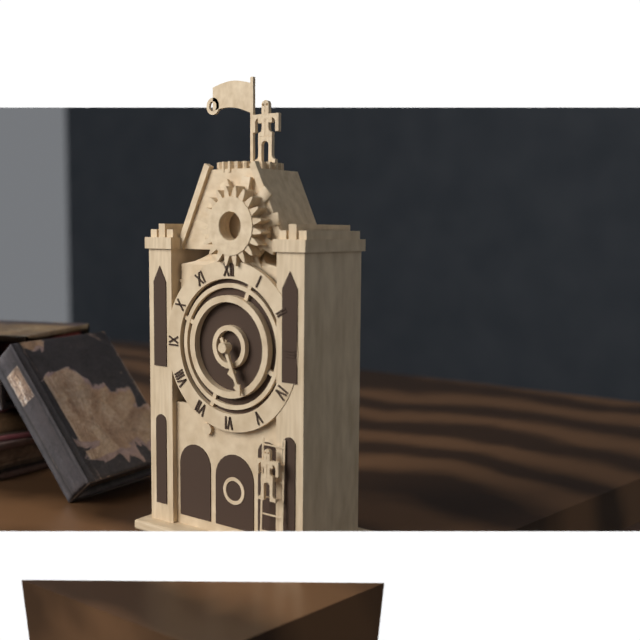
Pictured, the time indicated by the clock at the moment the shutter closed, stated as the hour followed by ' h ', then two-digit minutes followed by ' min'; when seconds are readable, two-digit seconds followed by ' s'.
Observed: 5 h 26 min
